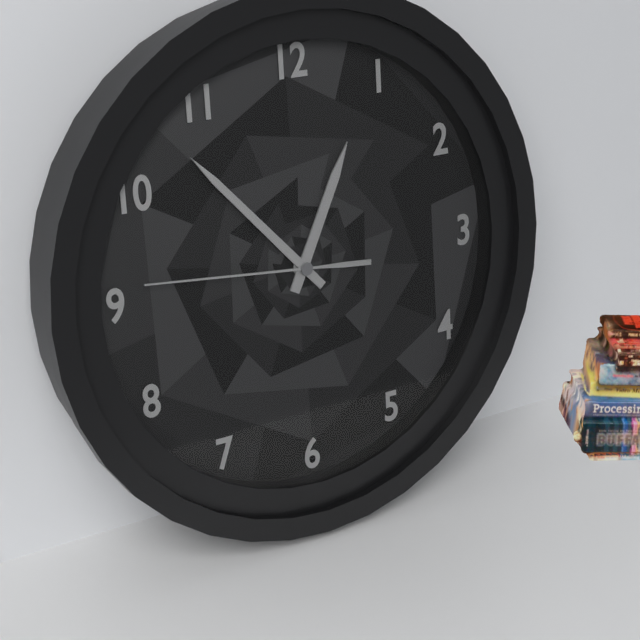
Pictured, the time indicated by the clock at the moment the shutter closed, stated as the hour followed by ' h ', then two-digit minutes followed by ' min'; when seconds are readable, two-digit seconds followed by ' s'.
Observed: 12 h 53 min 46 s
